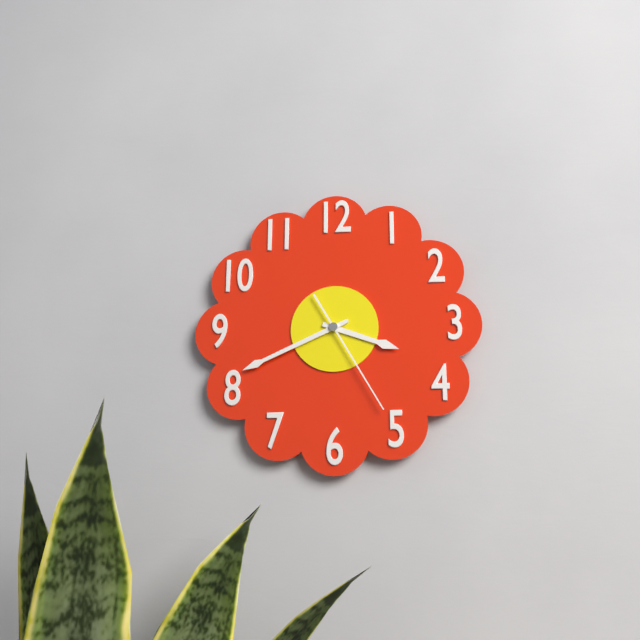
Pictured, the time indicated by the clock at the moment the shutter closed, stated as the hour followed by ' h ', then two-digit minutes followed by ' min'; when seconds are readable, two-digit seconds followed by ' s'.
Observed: 3 h 41 min 25 s
